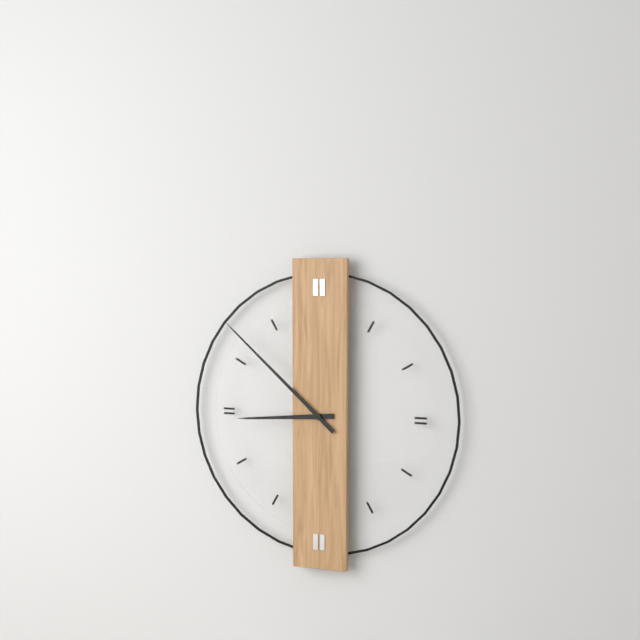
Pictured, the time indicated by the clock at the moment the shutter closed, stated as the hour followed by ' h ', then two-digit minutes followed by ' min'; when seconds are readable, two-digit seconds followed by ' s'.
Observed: 8 h 52 min
